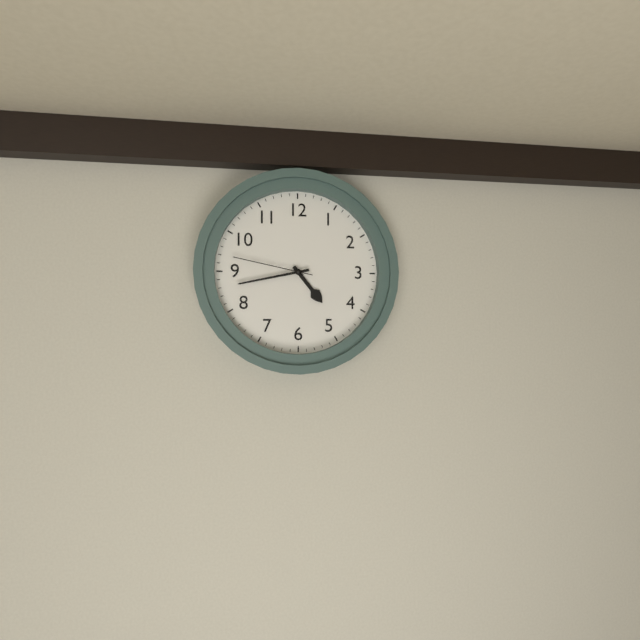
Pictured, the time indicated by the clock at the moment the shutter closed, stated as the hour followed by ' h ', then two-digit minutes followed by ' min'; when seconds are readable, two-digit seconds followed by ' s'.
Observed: 4 h 43 min 47 s
